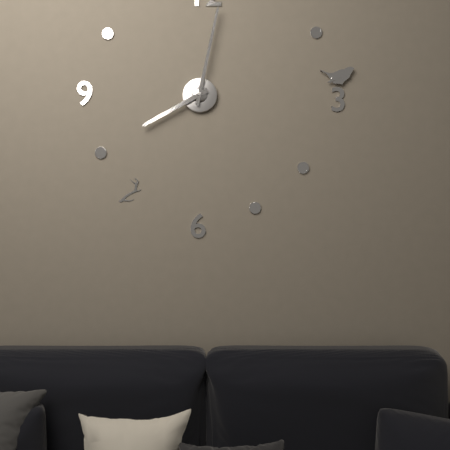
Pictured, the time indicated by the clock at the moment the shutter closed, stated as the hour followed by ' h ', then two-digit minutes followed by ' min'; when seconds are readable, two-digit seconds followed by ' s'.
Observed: 8 h 02 min
